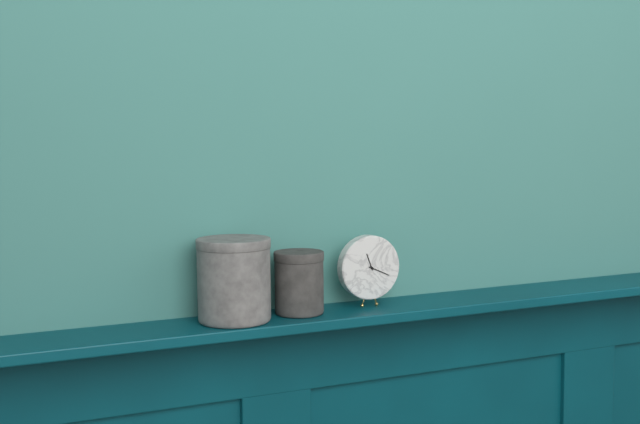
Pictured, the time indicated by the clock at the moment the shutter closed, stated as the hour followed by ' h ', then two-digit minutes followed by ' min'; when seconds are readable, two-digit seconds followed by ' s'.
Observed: 11 h 19 min
